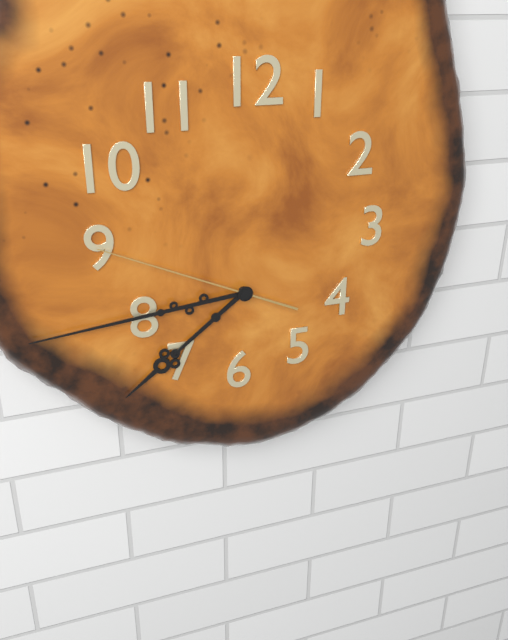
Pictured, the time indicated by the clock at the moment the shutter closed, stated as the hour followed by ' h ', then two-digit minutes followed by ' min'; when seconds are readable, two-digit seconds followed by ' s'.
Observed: 7 h 44 min 49 s
